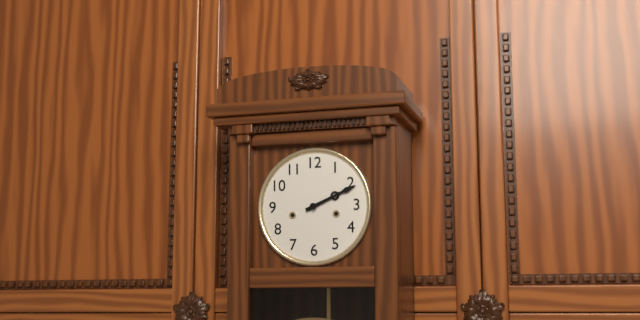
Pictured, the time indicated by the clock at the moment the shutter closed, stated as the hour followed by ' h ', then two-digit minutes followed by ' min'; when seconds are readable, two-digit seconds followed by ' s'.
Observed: 2 h 11 min
